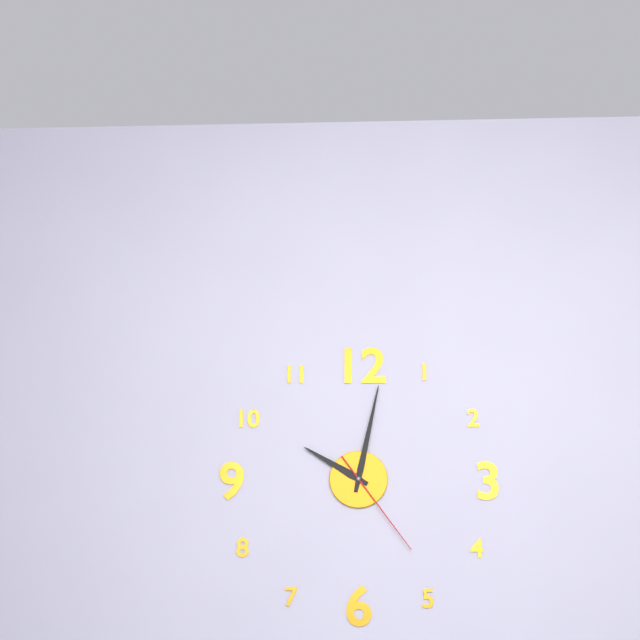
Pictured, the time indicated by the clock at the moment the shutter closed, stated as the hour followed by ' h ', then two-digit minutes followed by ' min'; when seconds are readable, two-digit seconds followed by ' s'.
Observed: 10 h 02 min 24 s
